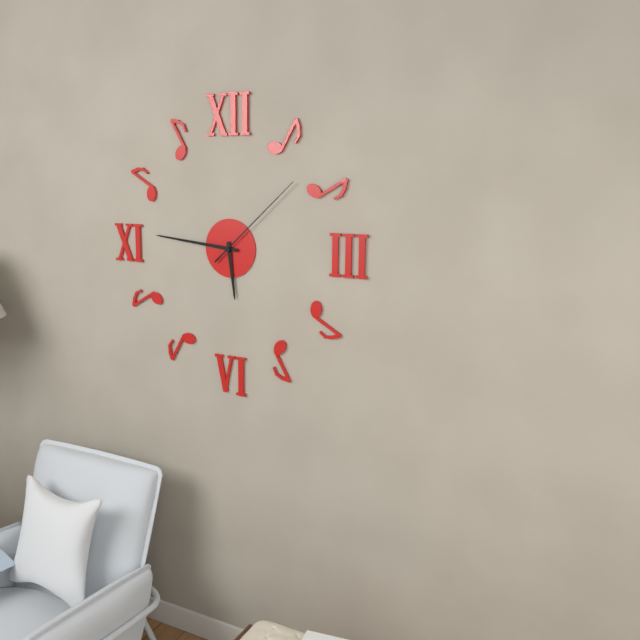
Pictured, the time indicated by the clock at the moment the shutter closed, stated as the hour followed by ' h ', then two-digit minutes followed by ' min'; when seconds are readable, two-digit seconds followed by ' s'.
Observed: 5 h 46 min 08 s
